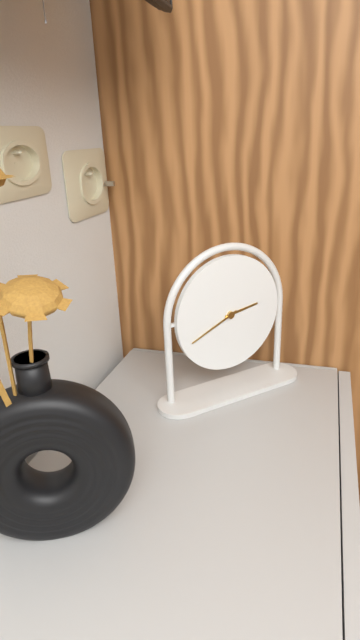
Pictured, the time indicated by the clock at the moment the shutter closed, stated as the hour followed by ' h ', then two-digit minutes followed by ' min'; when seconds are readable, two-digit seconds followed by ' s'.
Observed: 2 h 41 min
